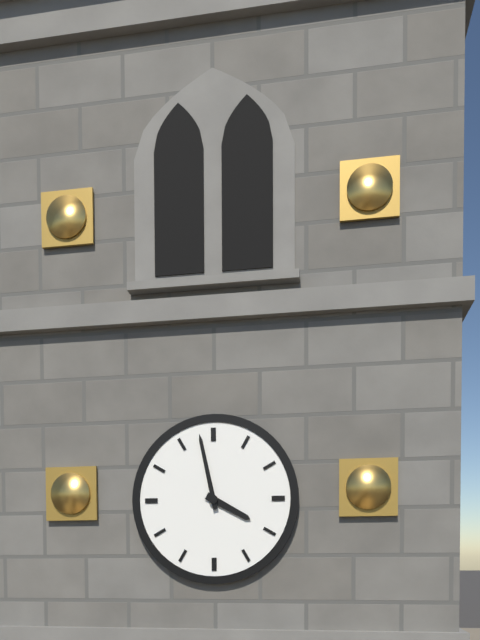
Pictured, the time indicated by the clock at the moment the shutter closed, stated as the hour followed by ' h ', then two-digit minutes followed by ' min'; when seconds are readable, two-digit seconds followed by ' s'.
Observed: 3 h 58 min
